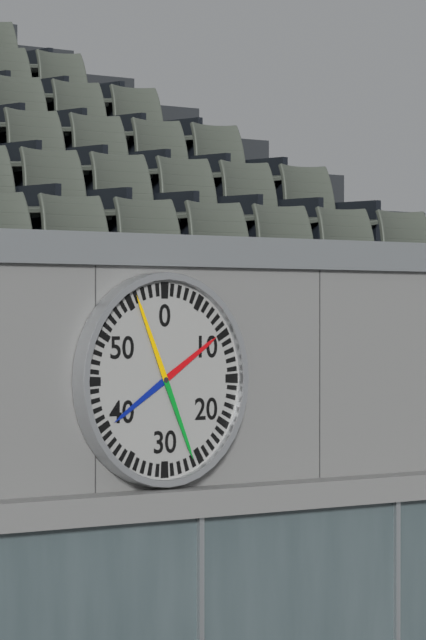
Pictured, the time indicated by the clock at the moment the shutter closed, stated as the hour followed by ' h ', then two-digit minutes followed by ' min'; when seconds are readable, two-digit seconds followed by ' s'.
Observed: 1 h 56 min
